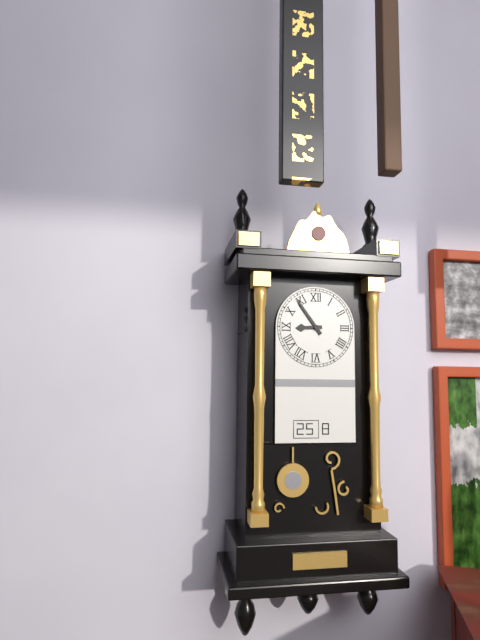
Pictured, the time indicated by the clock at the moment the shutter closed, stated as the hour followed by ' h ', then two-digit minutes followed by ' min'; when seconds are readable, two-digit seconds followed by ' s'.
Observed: 8 h 54 min
